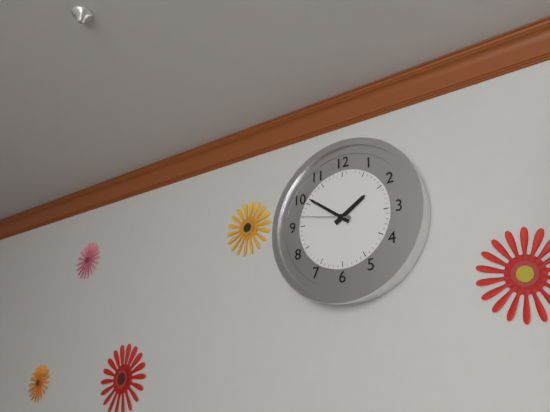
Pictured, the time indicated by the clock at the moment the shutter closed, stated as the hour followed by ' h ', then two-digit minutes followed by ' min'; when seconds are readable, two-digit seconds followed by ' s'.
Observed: 1 h 51 min 47 s
